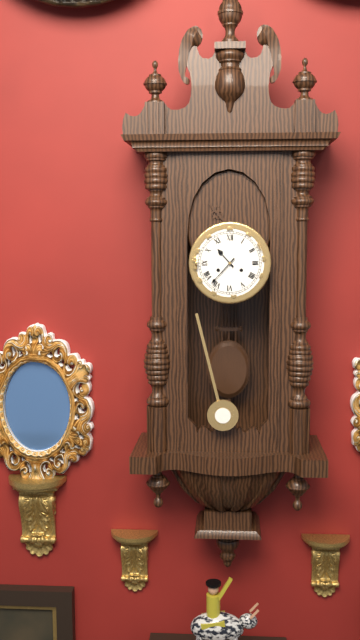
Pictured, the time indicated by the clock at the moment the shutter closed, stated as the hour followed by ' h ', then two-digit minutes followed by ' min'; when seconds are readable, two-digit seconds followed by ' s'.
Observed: 10 h 37 min
